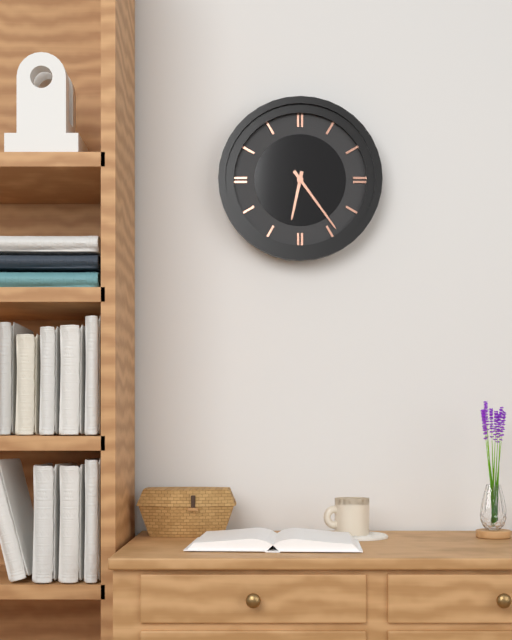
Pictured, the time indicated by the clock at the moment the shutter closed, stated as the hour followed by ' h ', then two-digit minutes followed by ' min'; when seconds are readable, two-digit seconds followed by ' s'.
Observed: 6 h 24 min
